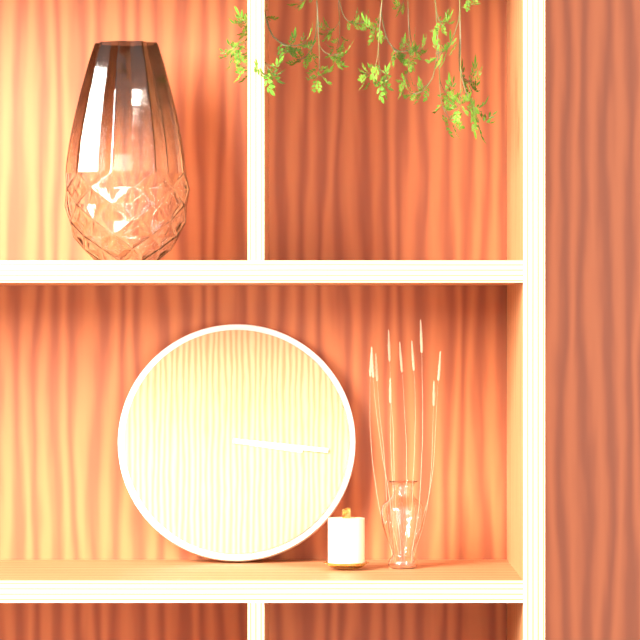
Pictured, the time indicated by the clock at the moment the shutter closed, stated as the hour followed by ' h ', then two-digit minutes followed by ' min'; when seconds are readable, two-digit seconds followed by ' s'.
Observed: 3 h 16 min
